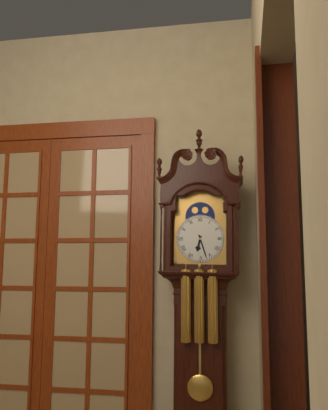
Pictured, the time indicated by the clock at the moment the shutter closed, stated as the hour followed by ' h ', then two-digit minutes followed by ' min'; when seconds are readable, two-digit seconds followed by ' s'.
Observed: 6 h 27 min
